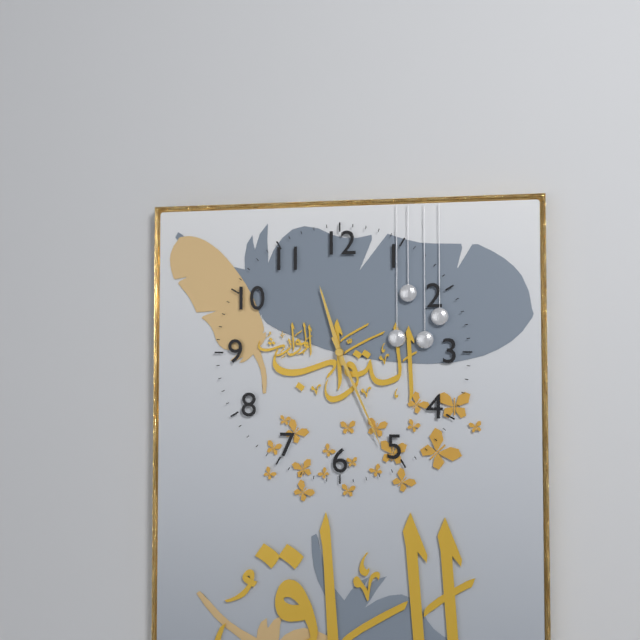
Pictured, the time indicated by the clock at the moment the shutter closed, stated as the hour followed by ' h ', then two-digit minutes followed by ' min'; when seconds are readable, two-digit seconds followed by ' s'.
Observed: 11 h 26 min
